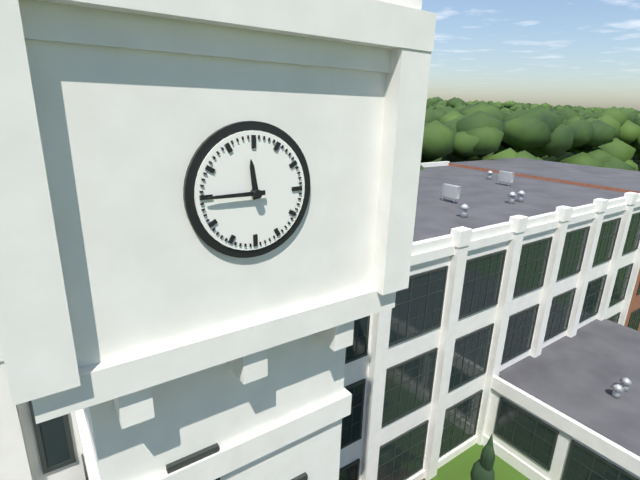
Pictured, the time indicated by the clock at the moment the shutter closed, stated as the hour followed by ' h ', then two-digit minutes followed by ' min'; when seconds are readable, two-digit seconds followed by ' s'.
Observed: 11 h 45 min
